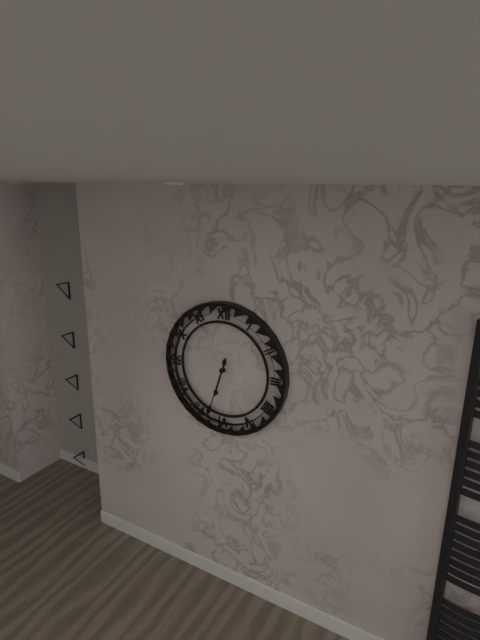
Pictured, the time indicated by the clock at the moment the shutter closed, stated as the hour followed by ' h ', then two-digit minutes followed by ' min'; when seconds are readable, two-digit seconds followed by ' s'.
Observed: 6 h 33 min
